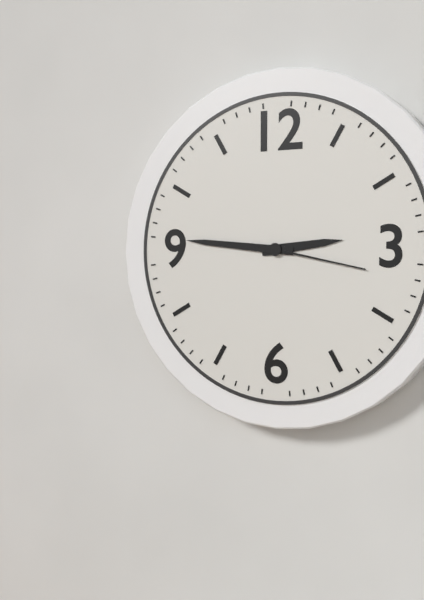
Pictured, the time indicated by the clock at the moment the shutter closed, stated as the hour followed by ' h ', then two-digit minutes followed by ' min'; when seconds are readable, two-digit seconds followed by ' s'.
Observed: 2 h 46 min 17 s
